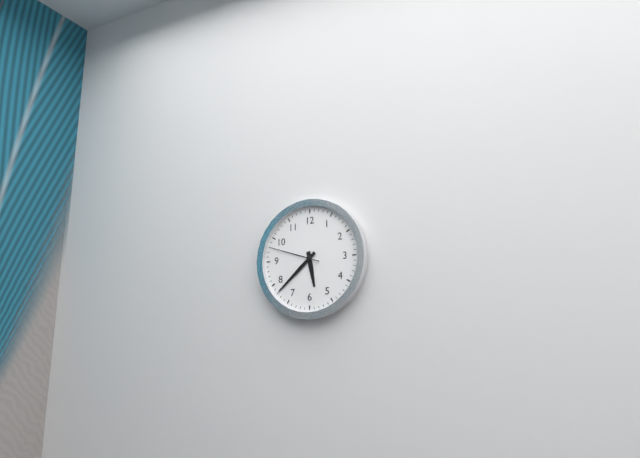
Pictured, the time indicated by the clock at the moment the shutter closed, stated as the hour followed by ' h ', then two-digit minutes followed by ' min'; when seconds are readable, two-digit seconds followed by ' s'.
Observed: 5 h 38 min 48 s
